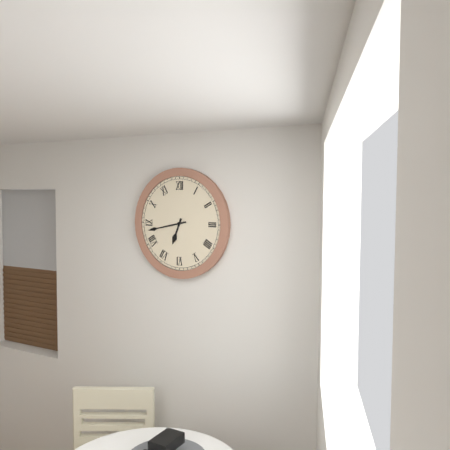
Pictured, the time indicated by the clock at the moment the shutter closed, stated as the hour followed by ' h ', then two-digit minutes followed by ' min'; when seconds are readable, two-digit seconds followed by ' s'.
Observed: 6 h 43 min
